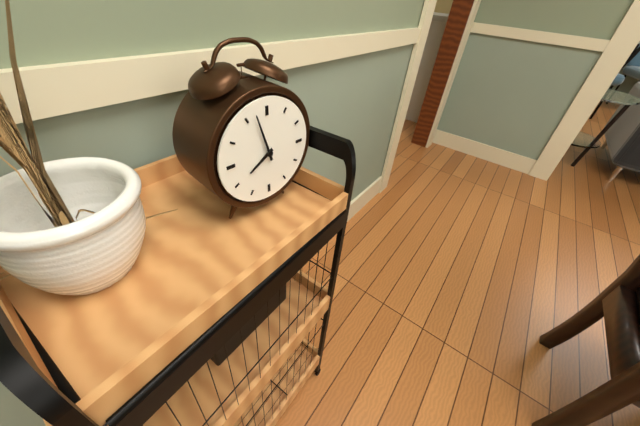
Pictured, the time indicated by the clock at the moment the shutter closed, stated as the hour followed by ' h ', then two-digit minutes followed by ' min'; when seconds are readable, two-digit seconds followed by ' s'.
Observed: 7 h 57 min
